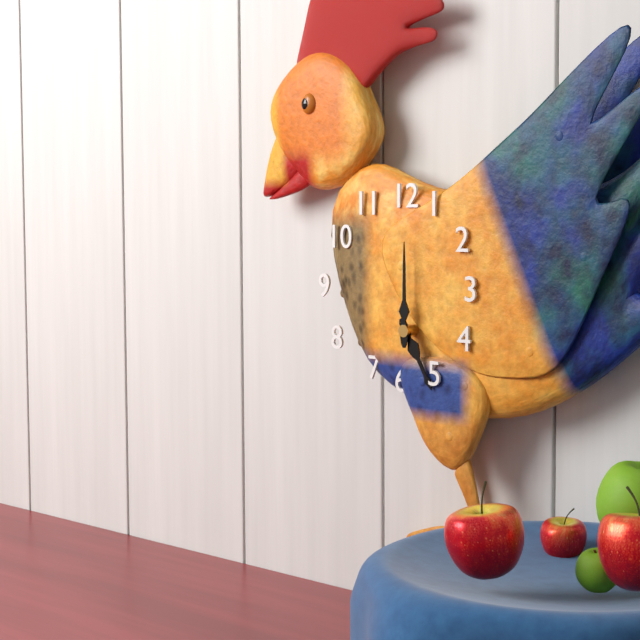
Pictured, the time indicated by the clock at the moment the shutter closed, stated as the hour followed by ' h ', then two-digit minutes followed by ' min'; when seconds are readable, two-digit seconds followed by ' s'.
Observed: 5 h 00 min
